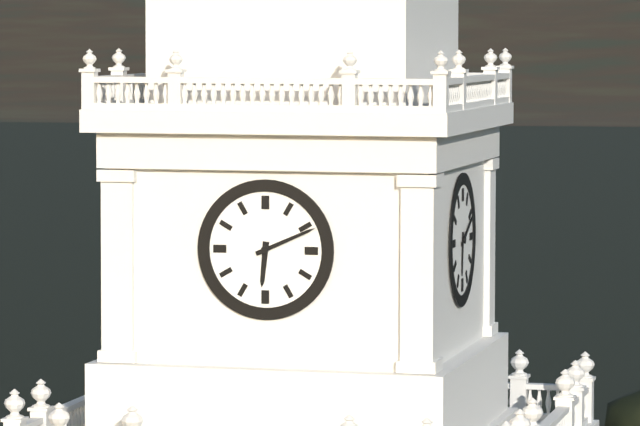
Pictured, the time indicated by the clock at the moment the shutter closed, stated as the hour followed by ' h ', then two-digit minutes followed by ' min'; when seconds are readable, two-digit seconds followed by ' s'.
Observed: 6 h 11 min
